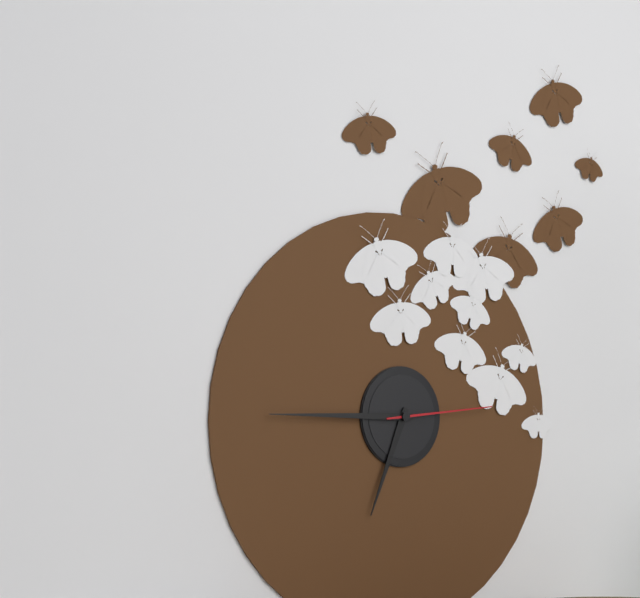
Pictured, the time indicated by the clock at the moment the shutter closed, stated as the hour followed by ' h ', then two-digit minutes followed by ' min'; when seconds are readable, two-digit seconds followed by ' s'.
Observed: 6 h 45 min 14 s
